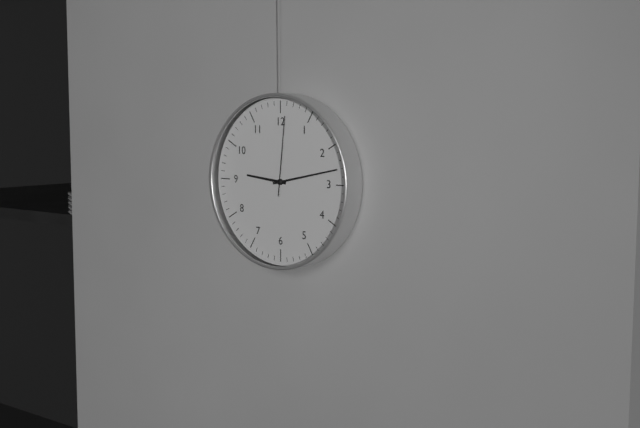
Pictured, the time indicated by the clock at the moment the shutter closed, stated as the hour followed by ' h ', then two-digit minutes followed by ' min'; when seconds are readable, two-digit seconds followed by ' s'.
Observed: 9 h 13 min 01 s
